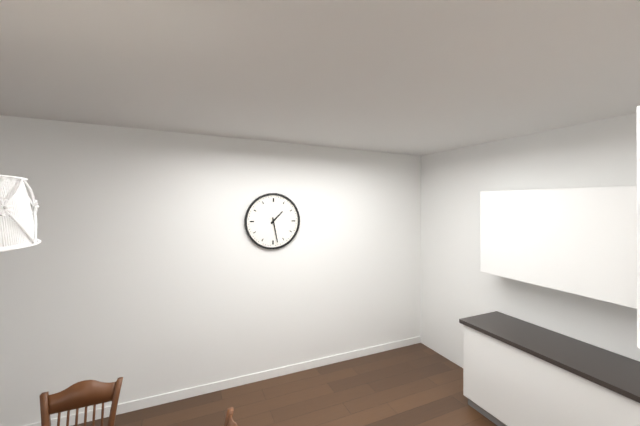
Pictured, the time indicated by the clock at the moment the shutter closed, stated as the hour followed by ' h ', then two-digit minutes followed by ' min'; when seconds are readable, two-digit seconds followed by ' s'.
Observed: 1 h 28 min
